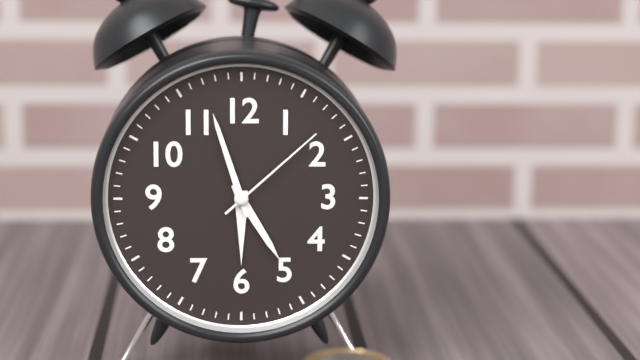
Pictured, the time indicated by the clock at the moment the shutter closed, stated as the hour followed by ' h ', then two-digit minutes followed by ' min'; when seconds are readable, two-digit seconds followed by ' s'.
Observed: 4 h 57 min 08 s
